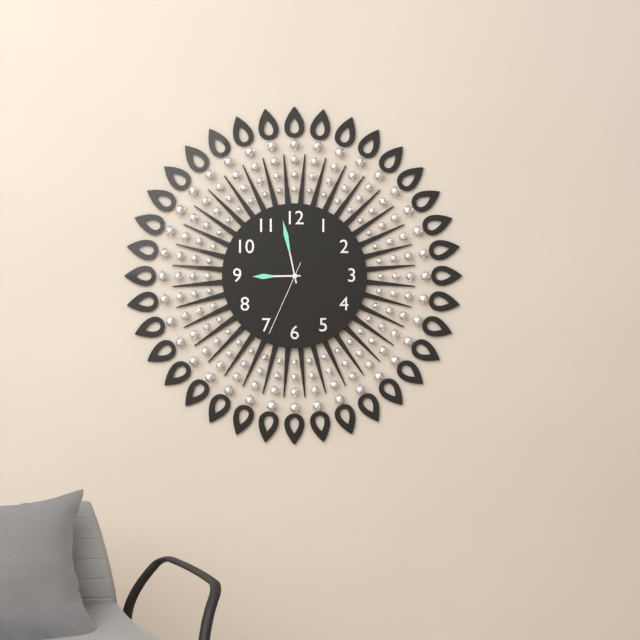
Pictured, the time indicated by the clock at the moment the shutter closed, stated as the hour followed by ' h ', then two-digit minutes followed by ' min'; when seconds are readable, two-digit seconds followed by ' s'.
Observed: 8 h 58 min 34 s
